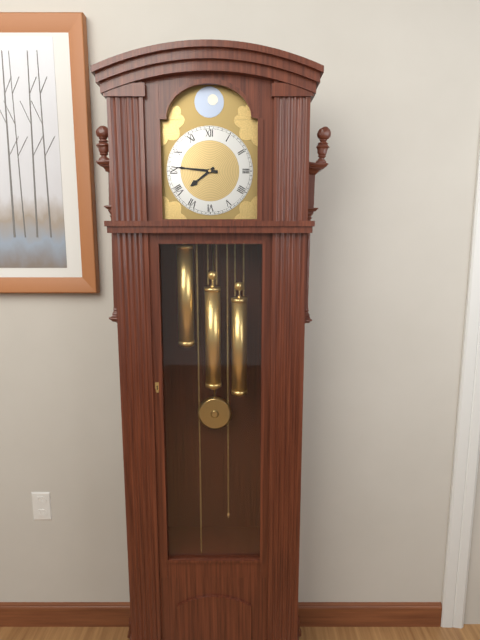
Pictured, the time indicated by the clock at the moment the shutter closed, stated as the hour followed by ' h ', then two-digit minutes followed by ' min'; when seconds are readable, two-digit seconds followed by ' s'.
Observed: 7 h 46 min
